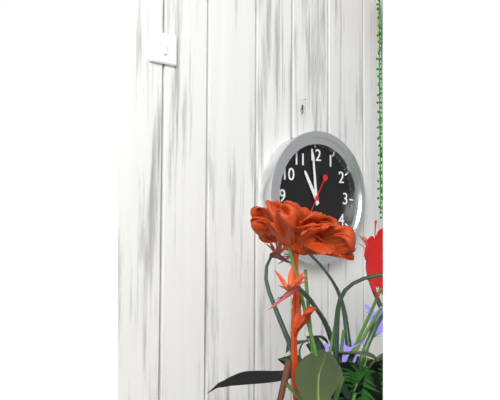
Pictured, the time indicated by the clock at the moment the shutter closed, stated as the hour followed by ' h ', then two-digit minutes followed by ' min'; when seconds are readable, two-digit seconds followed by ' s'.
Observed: 10 h 59 min
